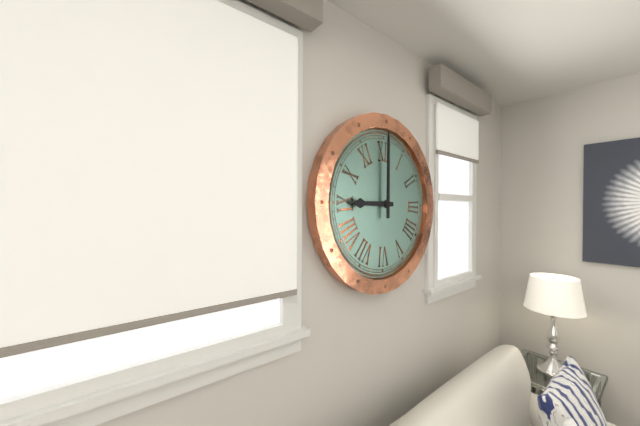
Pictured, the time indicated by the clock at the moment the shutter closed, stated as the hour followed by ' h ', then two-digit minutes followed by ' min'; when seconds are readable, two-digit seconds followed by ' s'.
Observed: 9 h 00 min
